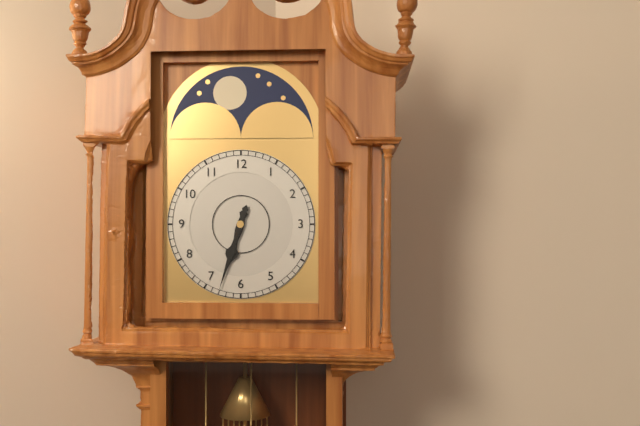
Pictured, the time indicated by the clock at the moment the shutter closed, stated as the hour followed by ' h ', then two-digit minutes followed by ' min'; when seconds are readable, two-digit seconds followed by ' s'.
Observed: 6 h 33 min
